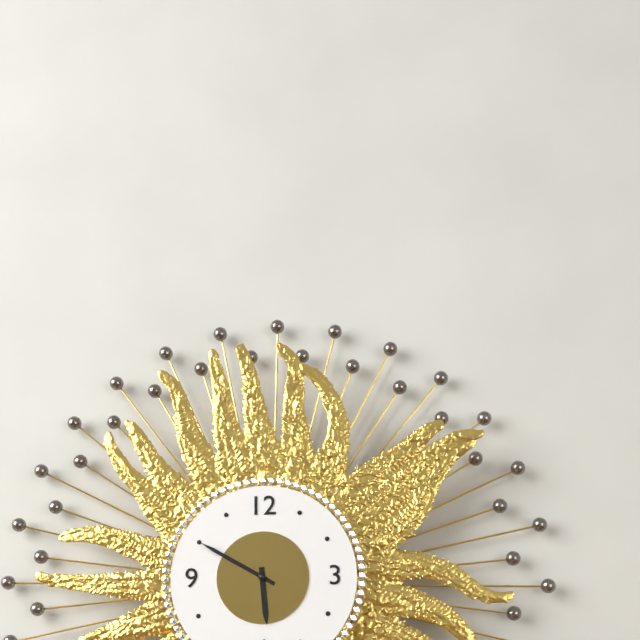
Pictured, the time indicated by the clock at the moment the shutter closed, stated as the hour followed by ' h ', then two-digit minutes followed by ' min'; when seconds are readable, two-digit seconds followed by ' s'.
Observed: 5 h 50 min
